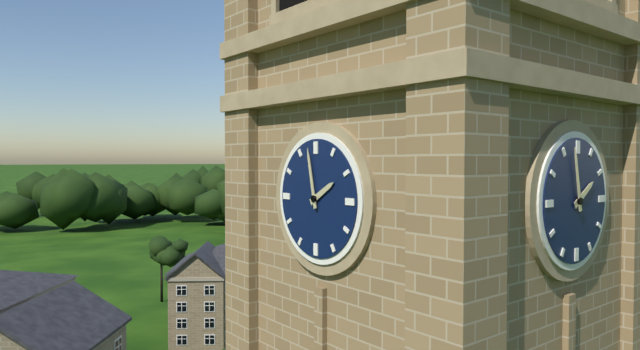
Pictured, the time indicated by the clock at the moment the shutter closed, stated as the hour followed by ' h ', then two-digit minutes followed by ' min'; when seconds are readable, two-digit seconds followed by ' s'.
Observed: 1 h 58 min
